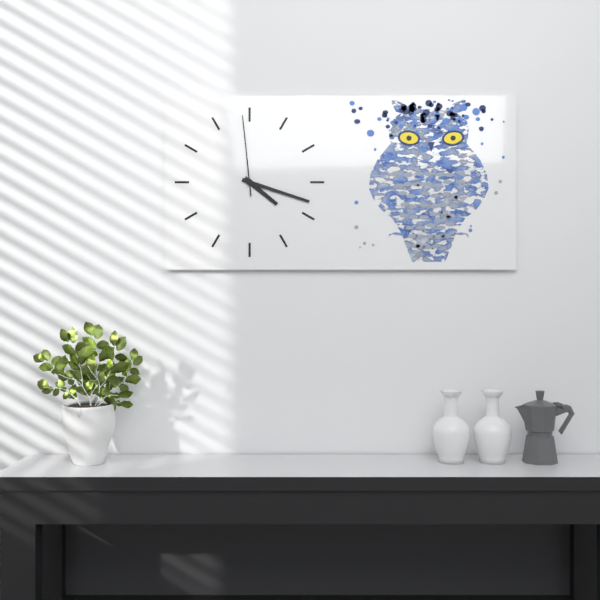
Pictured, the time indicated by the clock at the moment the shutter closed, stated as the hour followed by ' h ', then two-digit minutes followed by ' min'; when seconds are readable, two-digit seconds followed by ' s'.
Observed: 4 h 18 min 59 s
